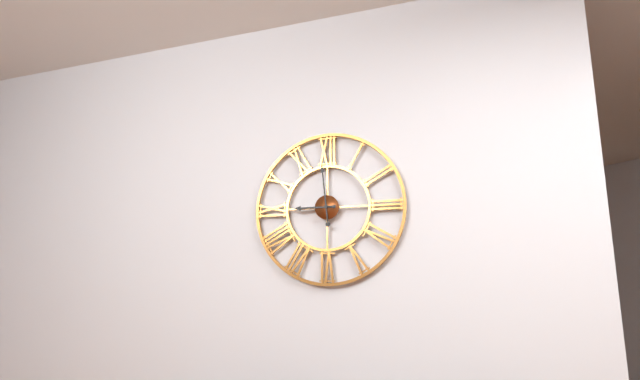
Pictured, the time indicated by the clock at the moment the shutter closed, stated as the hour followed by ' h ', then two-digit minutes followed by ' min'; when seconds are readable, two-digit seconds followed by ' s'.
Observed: 8 h 59 min
